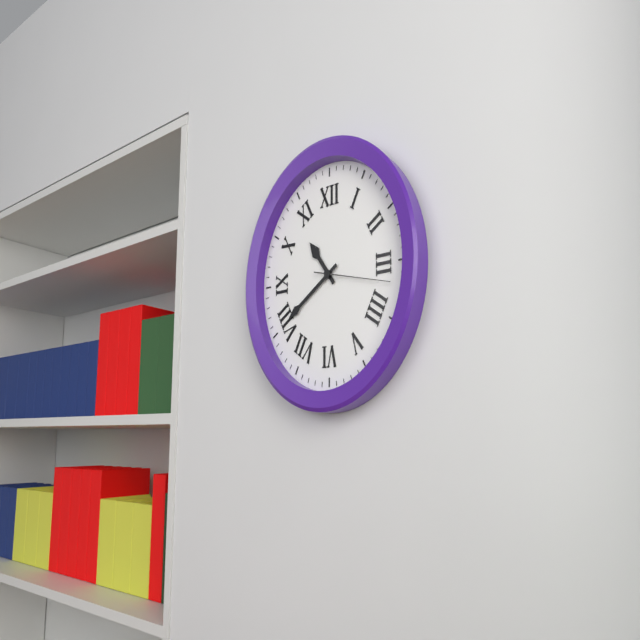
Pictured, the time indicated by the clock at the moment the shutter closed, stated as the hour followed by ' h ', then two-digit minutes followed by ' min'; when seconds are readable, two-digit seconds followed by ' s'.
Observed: 10 h 40 min 17 s
